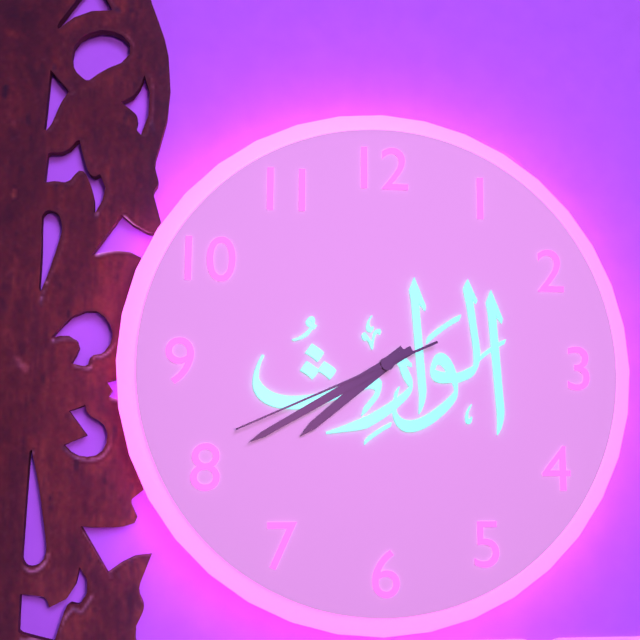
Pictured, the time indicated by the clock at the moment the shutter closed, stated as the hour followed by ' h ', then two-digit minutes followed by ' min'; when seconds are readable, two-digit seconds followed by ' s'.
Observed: 7 h 40 min 41 s
